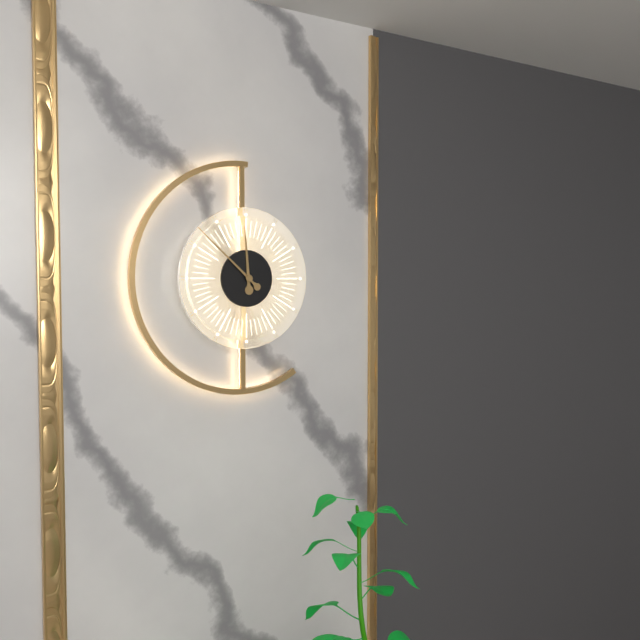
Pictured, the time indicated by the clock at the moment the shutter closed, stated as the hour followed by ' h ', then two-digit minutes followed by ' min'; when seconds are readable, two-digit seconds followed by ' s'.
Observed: 11 h 52 min
